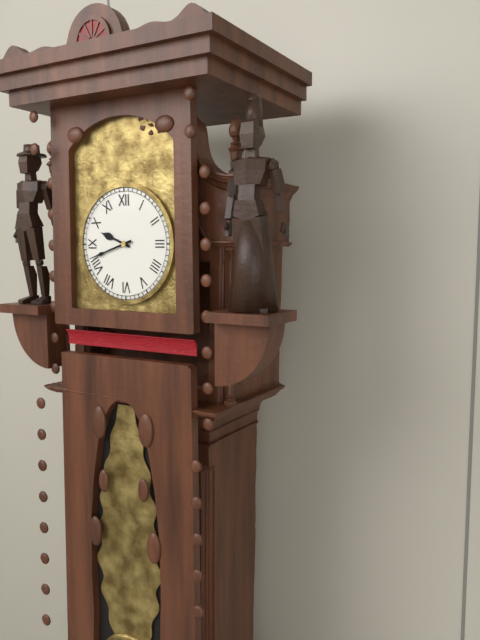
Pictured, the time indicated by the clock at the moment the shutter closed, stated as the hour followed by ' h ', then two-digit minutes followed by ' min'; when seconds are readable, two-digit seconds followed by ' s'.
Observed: 9 h 42 min
